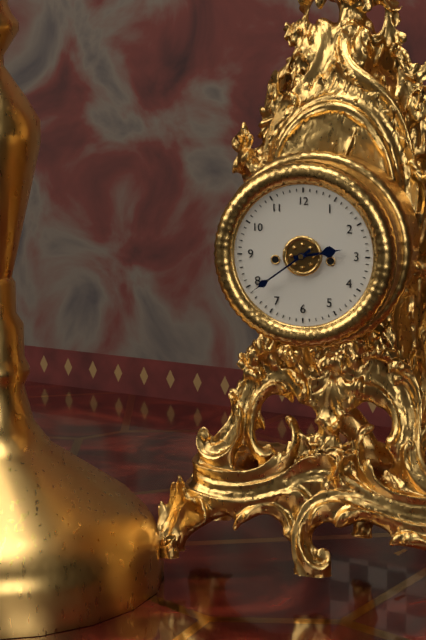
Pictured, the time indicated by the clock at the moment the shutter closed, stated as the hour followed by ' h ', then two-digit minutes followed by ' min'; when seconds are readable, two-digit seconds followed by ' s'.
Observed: 2 h 39 min
